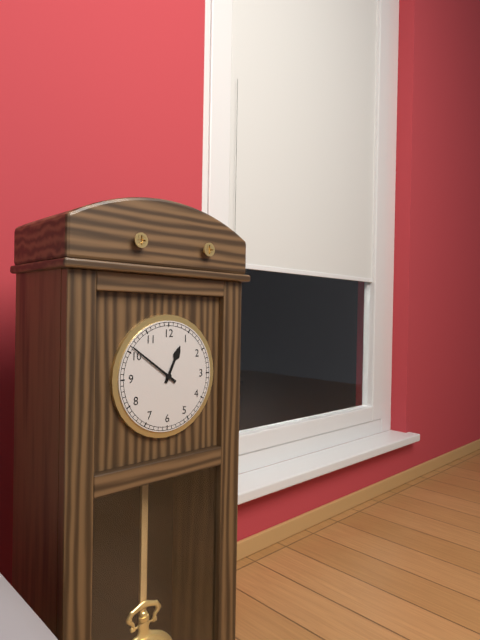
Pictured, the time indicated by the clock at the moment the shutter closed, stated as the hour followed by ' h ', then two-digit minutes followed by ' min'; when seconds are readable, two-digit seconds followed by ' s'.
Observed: 12 h 51 min
